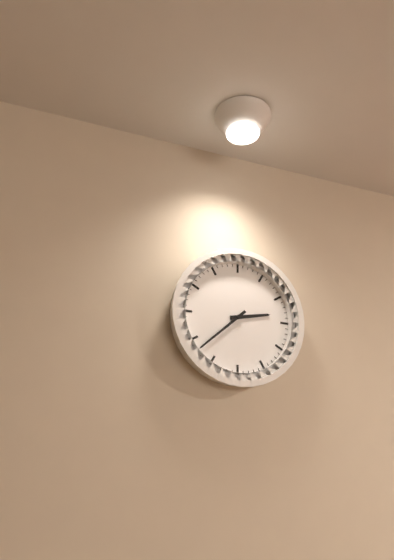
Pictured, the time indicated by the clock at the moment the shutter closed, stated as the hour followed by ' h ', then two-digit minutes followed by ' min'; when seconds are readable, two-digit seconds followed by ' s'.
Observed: 2 h 38 min
